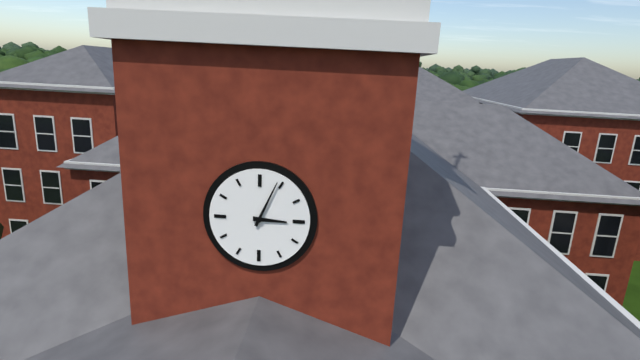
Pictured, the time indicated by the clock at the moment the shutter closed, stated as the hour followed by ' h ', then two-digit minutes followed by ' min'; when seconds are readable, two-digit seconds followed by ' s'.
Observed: 3 h 04 min
